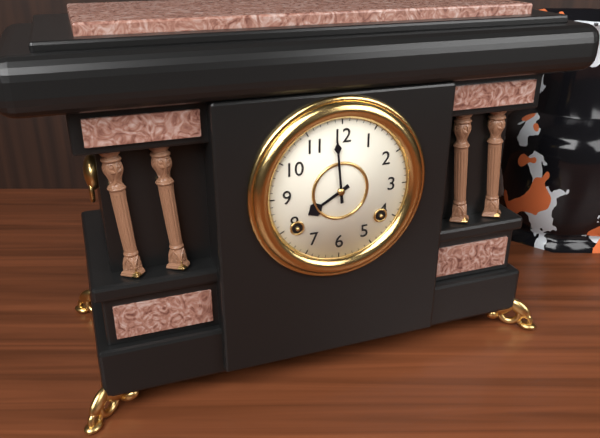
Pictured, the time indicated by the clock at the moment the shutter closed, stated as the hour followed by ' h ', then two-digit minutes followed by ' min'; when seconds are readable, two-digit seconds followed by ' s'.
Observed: 7 h 59 min
